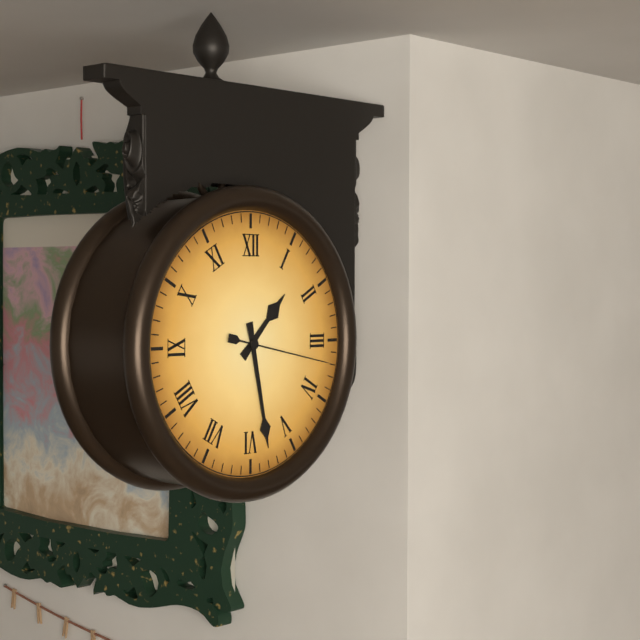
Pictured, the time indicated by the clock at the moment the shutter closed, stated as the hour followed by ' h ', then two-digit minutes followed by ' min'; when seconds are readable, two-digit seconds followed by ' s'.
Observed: 1 h 28 min 17 s
